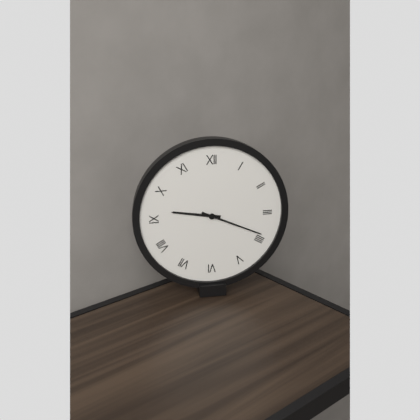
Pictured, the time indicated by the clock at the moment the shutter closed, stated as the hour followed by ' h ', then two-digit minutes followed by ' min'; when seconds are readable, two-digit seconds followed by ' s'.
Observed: 9 h 19 min
